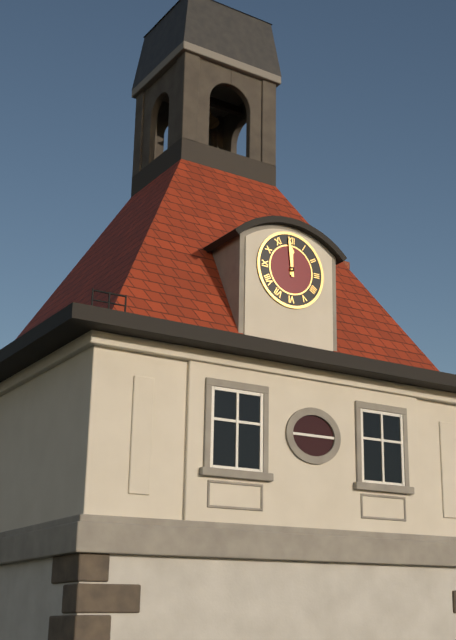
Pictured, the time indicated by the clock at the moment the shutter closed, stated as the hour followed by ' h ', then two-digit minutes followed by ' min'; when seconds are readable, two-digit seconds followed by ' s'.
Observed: 11 h 59 min
